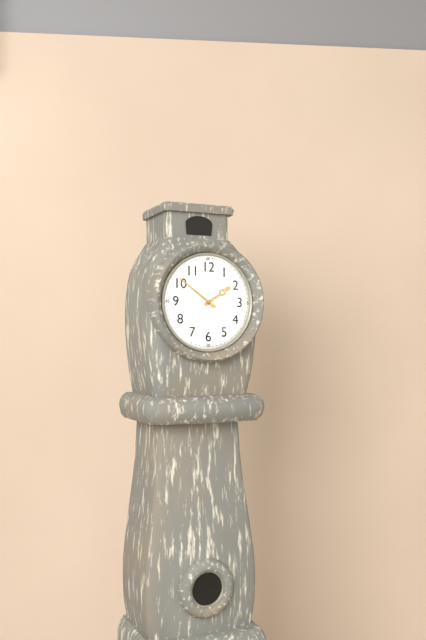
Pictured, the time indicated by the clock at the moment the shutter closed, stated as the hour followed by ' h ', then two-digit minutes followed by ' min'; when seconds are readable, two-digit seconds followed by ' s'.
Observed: 1 h 51 min
